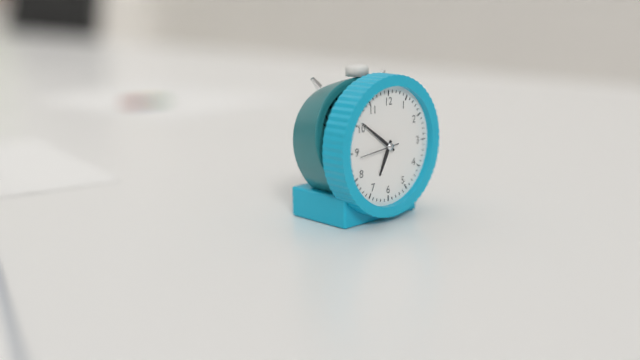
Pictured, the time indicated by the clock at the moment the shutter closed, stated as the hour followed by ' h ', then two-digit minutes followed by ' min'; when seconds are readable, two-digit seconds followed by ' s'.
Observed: 6 h 51 min
